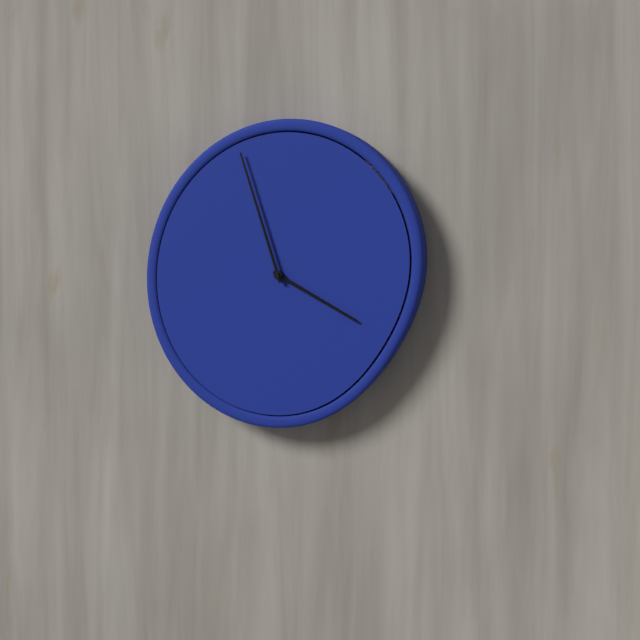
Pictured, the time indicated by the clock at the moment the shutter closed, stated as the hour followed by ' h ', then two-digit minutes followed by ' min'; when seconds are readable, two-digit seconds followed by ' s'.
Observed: 3 h 57 min
